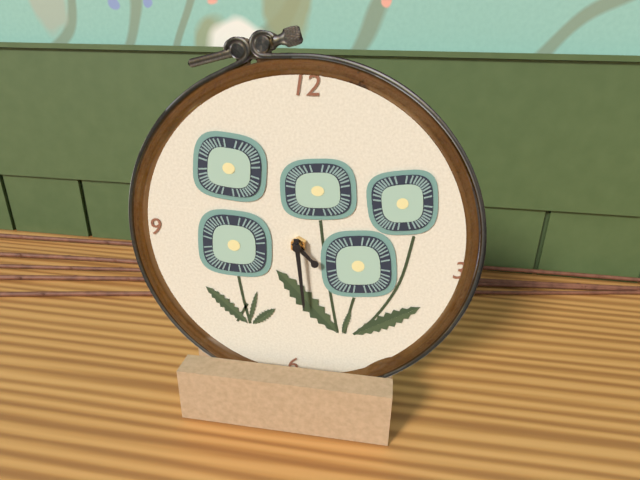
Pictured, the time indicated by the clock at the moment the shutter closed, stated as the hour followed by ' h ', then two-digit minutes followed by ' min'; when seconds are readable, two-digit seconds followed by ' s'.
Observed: 4 h 29 min
